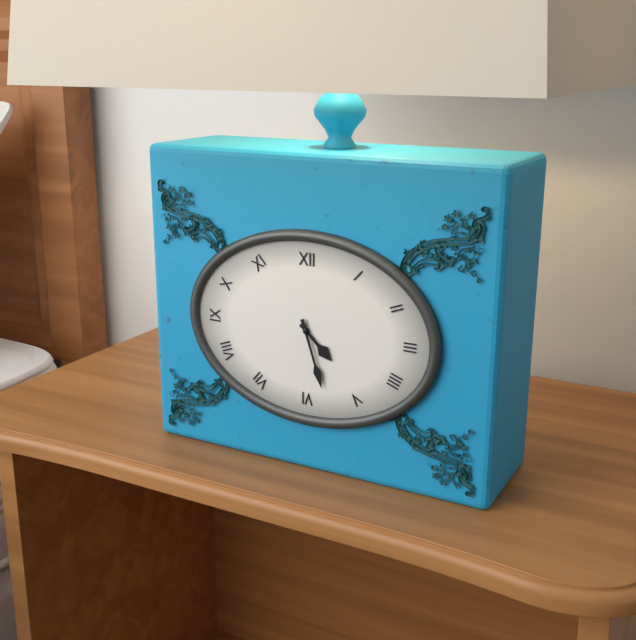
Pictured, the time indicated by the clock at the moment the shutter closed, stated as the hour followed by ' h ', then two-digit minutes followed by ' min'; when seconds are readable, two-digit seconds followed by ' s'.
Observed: 4 h 27 min
